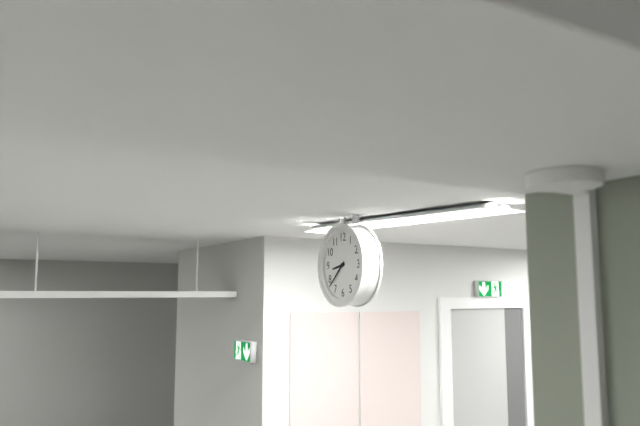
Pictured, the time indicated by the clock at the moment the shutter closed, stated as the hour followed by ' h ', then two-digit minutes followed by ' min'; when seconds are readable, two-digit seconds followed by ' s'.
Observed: 8 h 38 min
